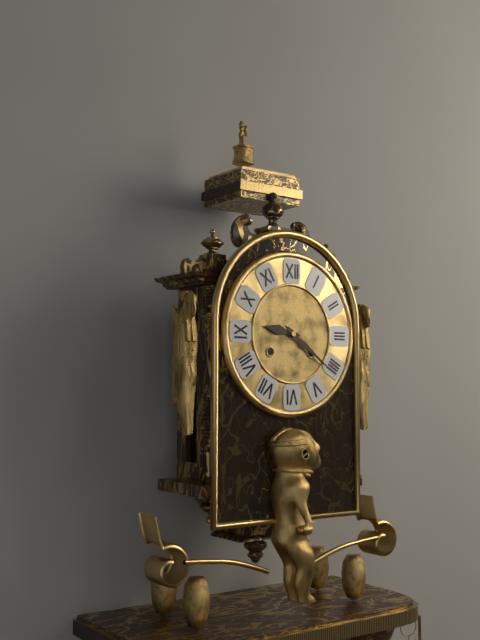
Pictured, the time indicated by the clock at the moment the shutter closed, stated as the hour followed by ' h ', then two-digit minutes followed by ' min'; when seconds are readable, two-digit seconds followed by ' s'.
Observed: 9 h 21 min
